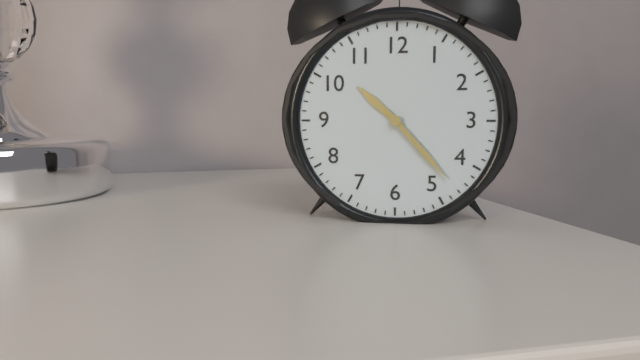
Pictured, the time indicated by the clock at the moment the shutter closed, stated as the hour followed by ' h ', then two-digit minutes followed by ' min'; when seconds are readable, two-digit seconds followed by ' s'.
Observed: 10 h 23 min
